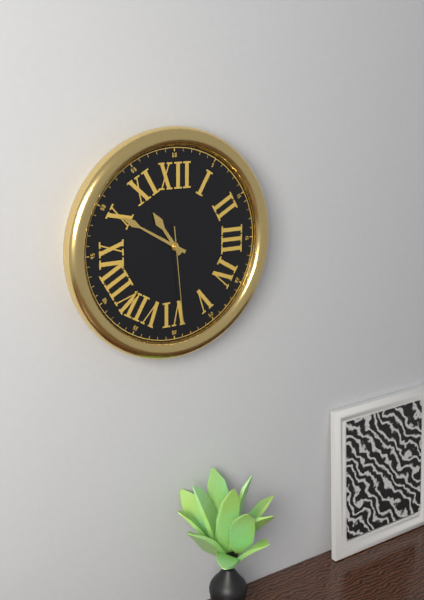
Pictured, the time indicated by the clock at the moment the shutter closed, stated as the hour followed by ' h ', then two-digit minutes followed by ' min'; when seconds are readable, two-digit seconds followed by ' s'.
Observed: 10 h 50 min 29 s
